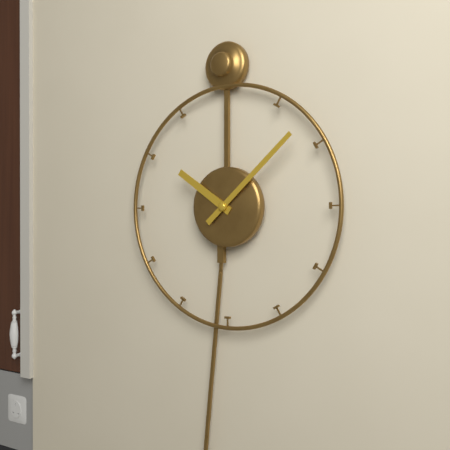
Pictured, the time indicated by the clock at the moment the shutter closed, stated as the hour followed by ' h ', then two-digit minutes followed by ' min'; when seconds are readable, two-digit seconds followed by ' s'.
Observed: 10 h 08 min
